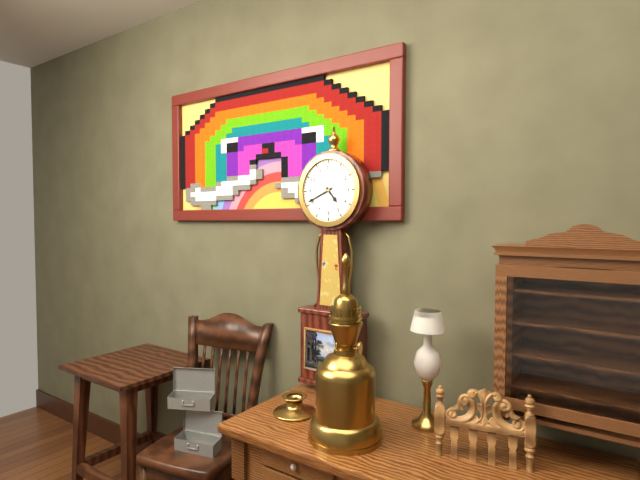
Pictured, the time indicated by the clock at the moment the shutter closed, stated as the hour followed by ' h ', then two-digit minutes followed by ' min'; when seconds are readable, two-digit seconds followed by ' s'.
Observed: 4 h 41 min
